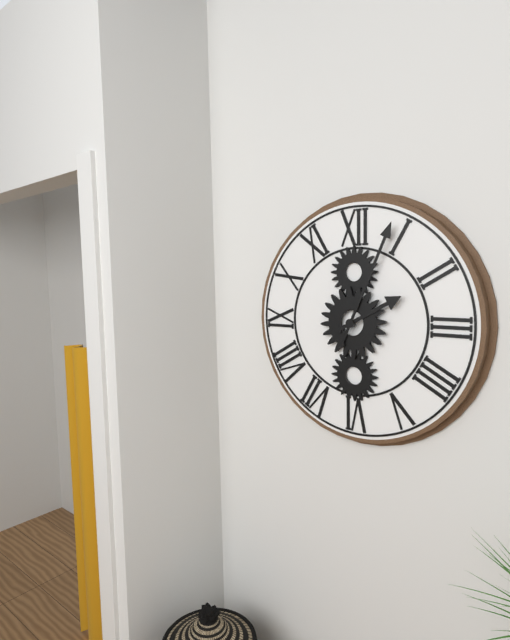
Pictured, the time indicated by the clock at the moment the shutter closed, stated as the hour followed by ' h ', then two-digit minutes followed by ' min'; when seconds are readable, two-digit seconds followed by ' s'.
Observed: 2 h 04 min
